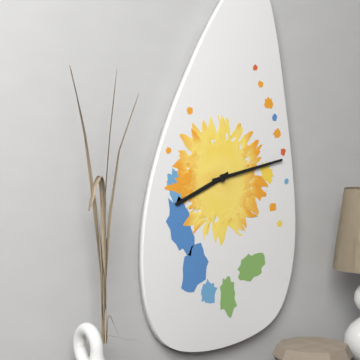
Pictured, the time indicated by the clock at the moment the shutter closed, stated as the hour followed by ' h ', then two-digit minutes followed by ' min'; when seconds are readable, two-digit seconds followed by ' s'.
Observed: 8 h 13 min
